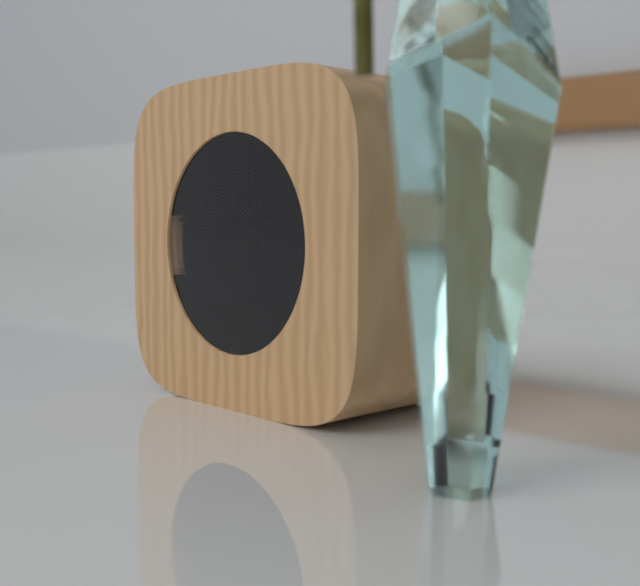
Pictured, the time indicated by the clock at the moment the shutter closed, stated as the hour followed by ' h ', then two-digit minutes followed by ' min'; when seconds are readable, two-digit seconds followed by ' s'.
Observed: 4 h 54 min 15 s
